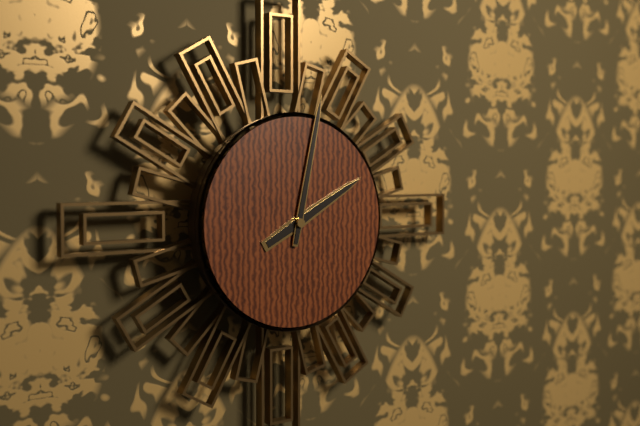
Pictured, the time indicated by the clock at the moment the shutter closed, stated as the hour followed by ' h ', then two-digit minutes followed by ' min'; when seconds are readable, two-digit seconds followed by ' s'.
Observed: 2 h 02 min
